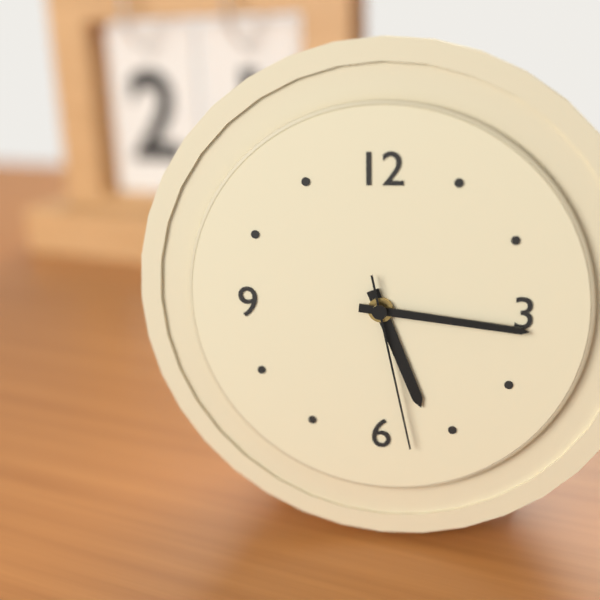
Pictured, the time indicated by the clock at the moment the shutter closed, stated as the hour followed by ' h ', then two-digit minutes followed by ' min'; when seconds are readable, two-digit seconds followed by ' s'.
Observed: 5 h 16 min 28 s
